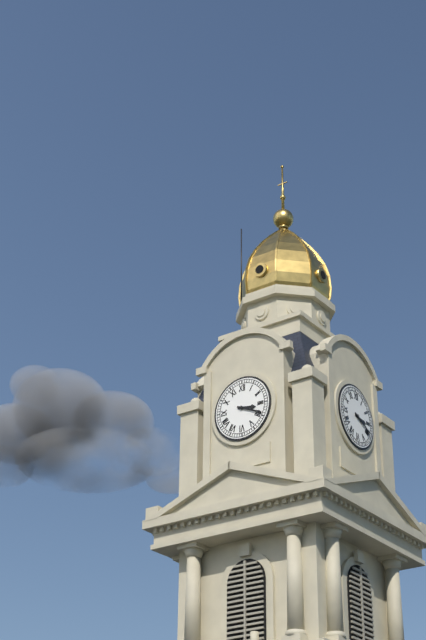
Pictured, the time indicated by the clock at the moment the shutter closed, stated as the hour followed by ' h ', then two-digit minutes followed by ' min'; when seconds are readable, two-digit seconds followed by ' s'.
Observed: 3 h 19 min
